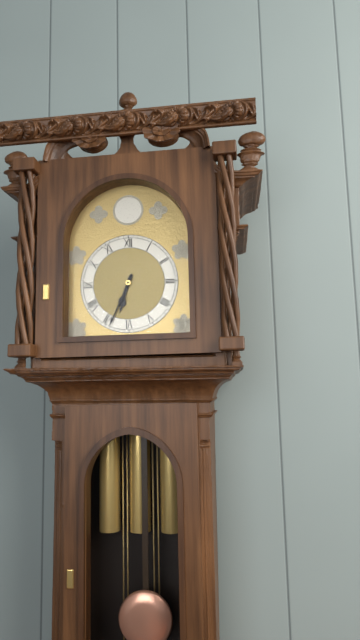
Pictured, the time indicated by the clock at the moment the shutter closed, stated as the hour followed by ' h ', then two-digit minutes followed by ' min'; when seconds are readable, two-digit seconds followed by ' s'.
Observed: 6 h 34 min
